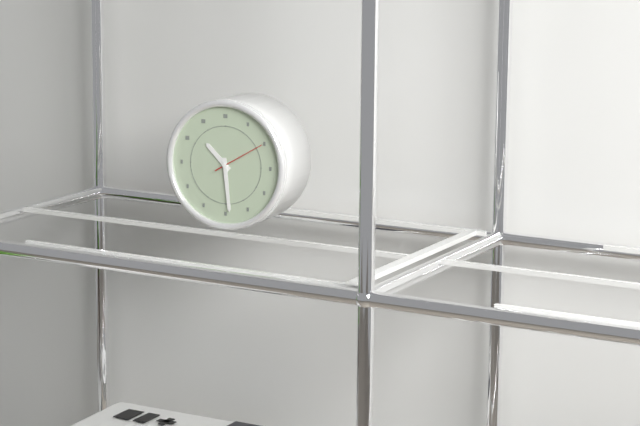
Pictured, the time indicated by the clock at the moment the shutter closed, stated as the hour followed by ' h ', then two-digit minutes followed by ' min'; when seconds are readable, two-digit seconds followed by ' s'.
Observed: 10 h 29 min 10 s
